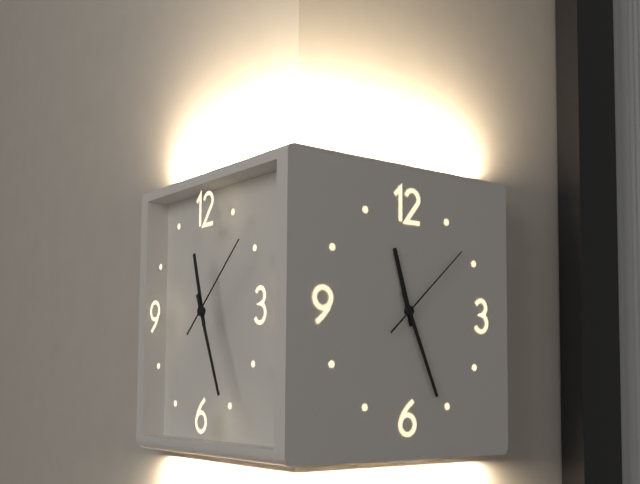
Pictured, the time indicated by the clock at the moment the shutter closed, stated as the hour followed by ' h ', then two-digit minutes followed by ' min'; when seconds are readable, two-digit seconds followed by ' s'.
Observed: 11 h 26 min 08 s
